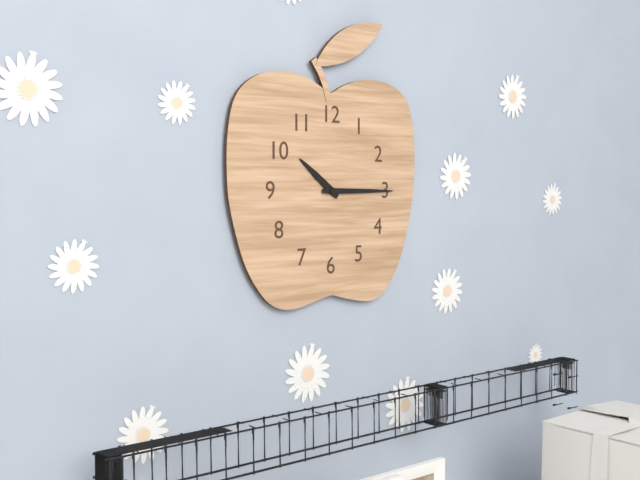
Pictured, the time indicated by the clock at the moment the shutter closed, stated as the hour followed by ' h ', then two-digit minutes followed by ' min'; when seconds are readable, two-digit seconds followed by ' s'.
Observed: 10 h 15 min
